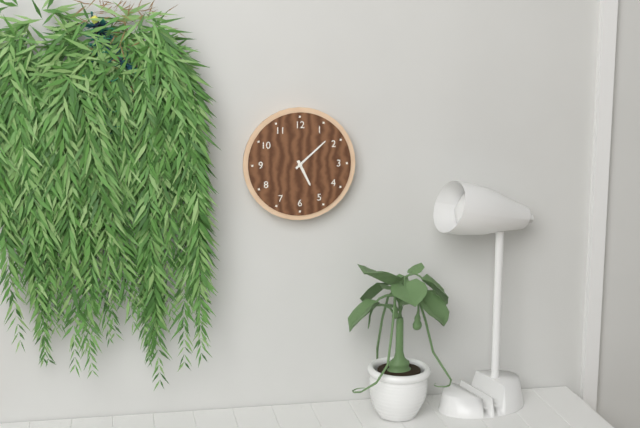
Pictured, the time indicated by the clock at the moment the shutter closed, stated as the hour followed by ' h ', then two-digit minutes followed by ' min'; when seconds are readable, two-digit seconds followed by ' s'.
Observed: 5 h 08 min
